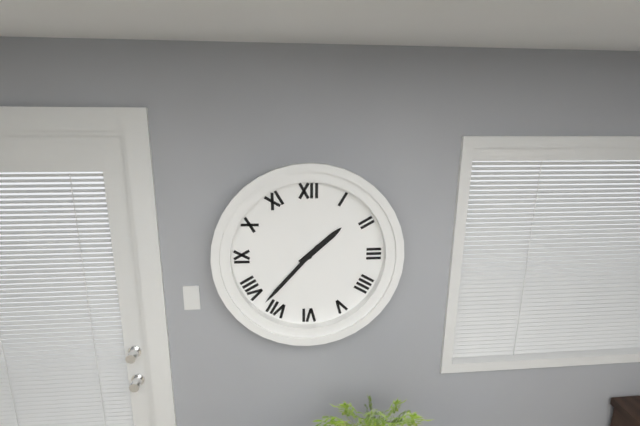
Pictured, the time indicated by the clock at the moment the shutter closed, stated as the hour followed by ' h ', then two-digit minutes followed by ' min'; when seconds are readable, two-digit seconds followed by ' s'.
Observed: 1 h 37 min
